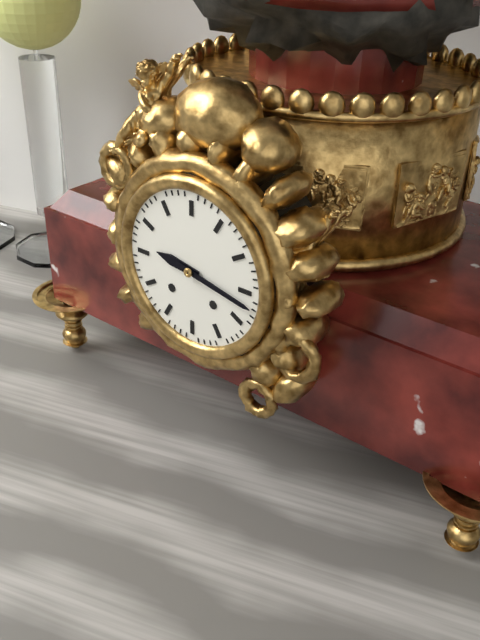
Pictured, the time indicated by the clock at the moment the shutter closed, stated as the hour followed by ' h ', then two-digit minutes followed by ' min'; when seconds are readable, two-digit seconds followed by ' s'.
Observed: 9 h 17 min
